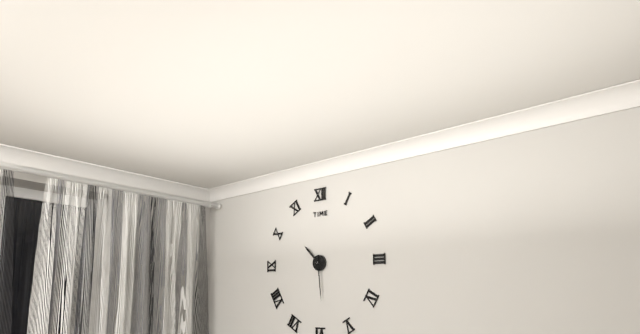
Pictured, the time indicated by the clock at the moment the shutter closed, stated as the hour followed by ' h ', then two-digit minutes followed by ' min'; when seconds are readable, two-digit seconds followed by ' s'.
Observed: 10 h 29 min
